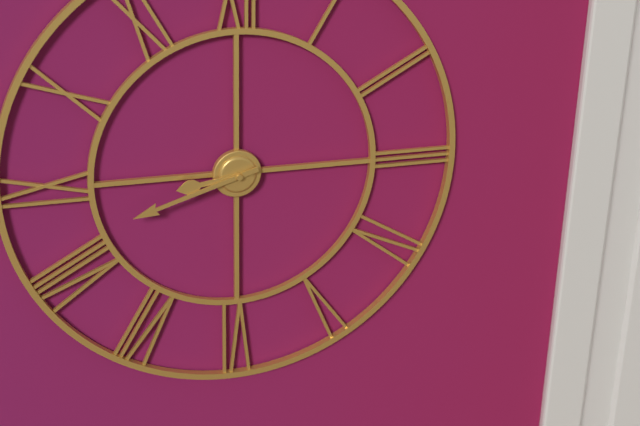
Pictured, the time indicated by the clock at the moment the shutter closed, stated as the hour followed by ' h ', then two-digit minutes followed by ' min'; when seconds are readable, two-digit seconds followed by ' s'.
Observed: 8 h 42 min
